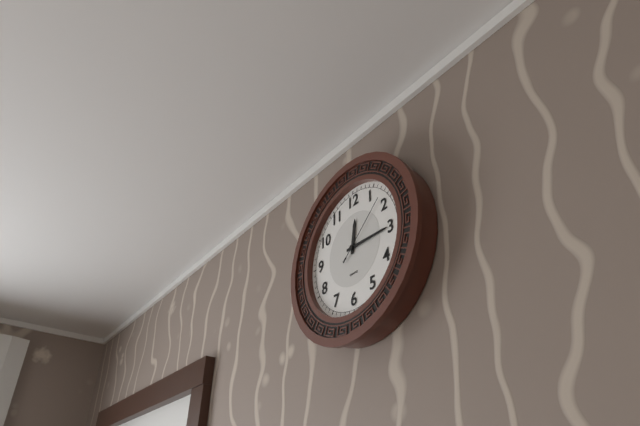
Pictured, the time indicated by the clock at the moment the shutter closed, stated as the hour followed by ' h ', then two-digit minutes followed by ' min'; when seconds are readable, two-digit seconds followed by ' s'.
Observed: 12 h 15 min 08 s
